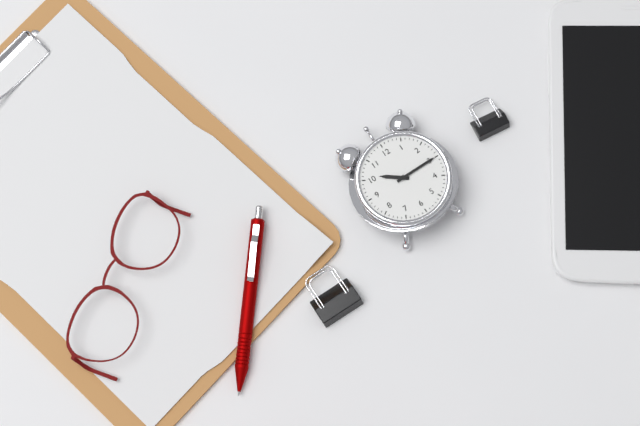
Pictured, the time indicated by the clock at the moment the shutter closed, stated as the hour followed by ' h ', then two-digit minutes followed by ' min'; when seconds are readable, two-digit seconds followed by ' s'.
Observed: 10 h 15 min
